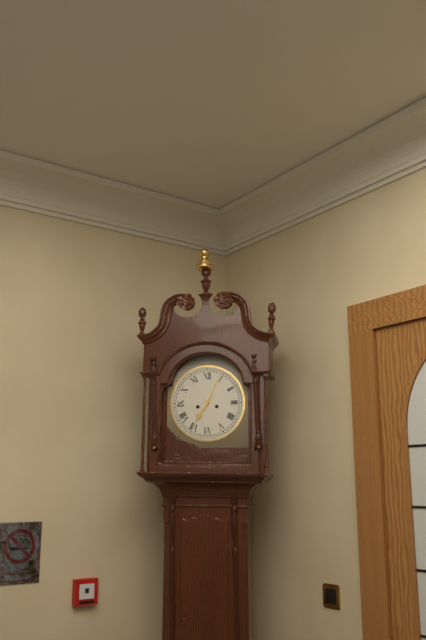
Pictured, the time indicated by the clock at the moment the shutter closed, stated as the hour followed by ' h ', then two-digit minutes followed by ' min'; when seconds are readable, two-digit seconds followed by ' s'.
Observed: 7 h 04 min
